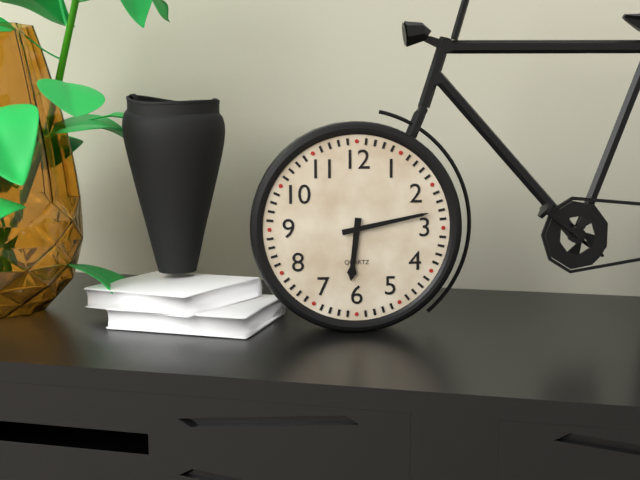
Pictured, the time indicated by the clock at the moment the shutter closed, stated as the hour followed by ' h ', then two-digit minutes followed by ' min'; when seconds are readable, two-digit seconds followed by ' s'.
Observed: 6 h 13 min
